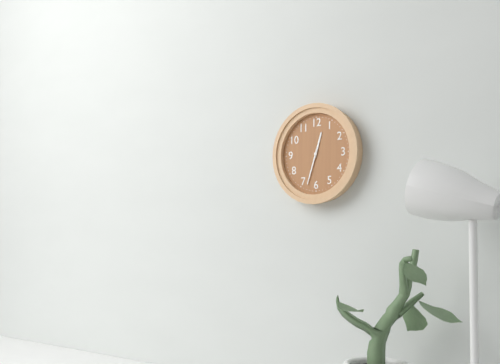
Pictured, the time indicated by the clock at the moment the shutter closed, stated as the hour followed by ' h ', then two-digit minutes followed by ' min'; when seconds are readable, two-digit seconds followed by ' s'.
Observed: 12 h 33 min
